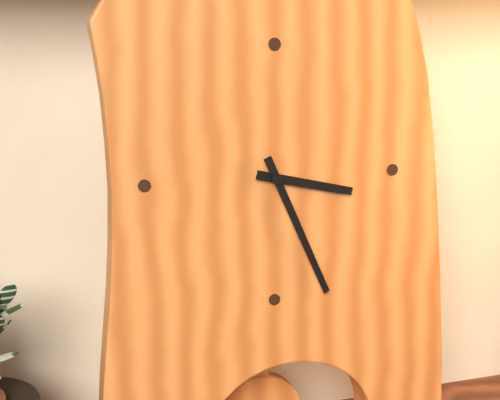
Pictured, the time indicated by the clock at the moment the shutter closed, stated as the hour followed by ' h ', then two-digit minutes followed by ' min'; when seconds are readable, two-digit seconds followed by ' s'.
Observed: 3 h 26 min
